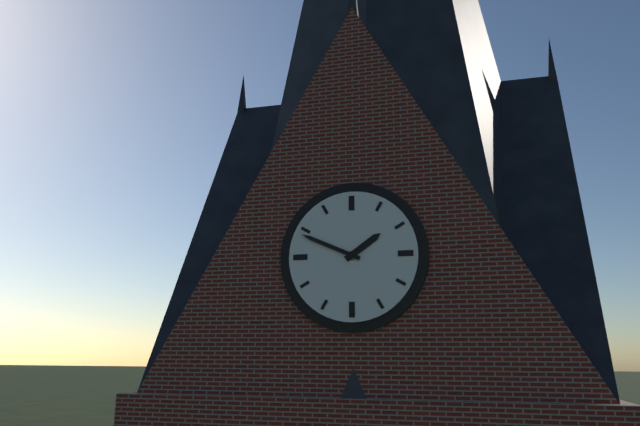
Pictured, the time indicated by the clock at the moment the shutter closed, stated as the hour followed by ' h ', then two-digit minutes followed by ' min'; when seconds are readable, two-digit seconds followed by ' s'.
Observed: 1 h 49 min
